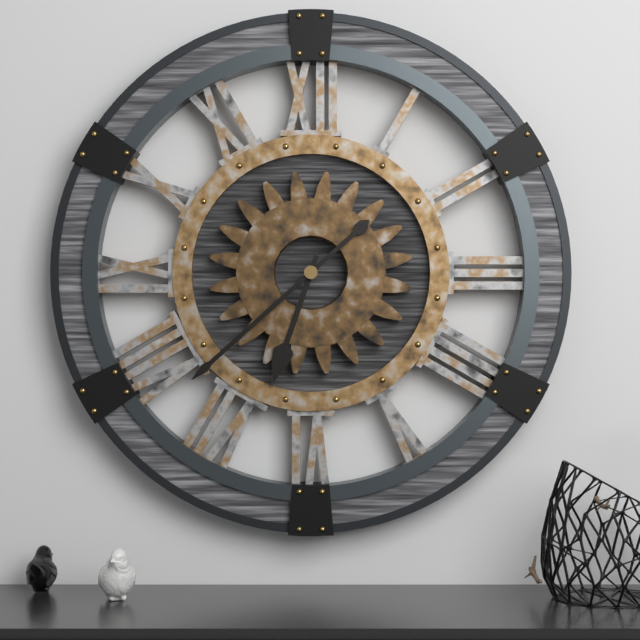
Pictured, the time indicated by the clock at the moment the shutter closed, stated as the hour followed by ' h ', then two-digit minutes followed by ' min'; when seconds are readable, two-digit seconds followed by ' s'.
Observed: 6 h 38 min
